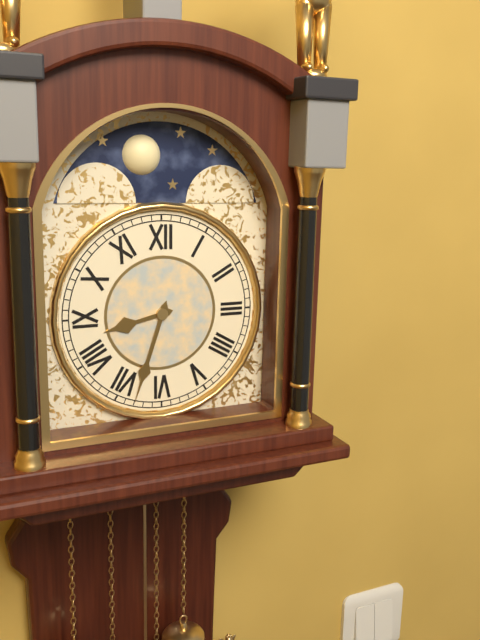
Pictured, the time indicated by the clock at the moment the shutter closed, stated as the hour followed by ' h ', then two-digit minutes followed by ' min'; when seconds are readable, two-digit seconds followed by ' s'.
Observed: 8 h 33 min
